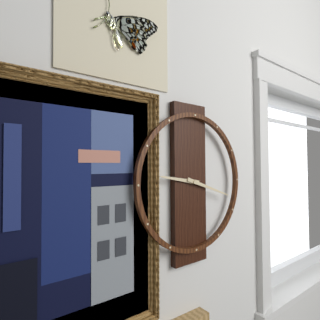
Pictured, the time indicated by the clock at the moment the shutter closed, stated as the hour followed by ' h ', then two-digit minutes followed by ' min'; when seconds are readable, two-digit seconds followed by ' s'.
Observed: 9 h 18 min
